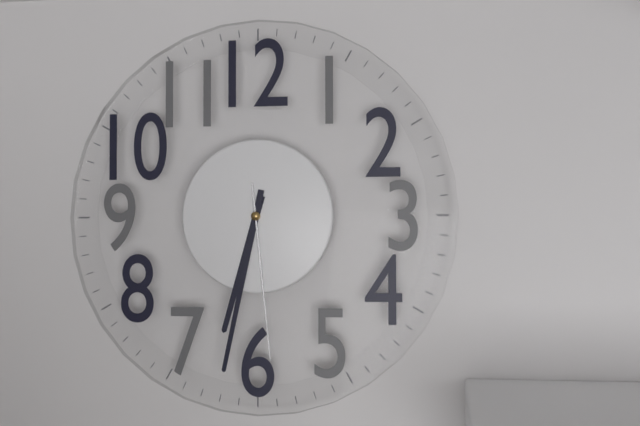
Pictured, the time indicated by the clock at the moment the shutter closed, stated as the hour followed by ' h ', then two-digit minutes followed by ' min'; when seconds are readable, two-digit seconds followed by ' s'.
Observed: 6 h 32 min 29 s
